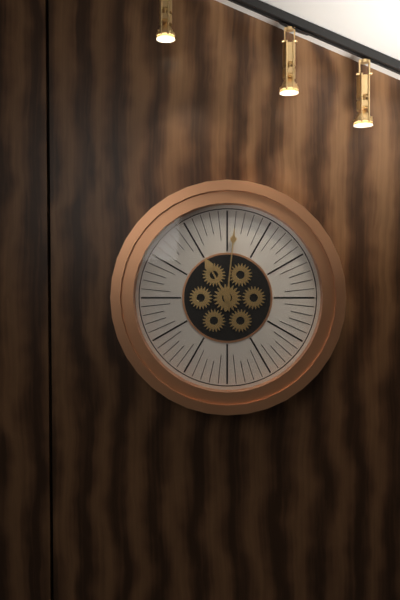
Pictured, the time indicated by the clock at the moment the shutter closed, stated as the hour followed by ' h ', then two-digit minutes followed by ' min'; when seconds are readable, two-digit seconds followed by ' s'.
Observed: 11 h 01 min
